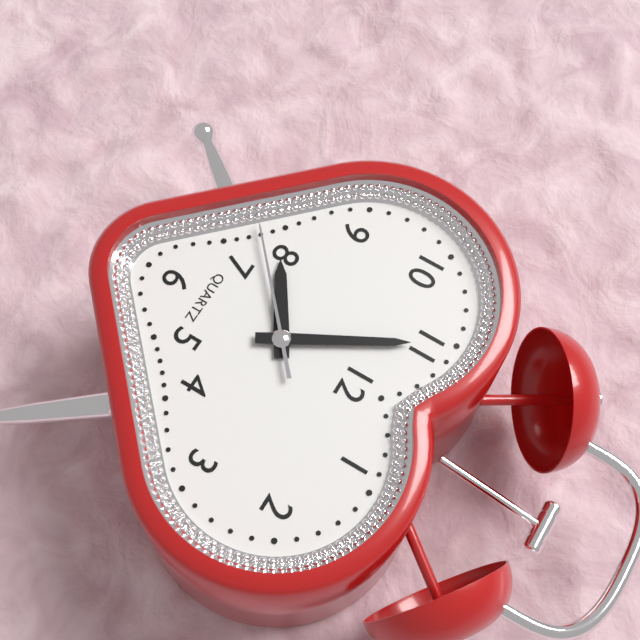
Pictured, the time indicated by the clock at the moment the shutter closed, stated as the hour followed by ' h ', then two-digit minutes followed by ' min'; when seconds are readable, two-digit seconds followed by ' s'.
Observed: 7 h 55 min 38 s
